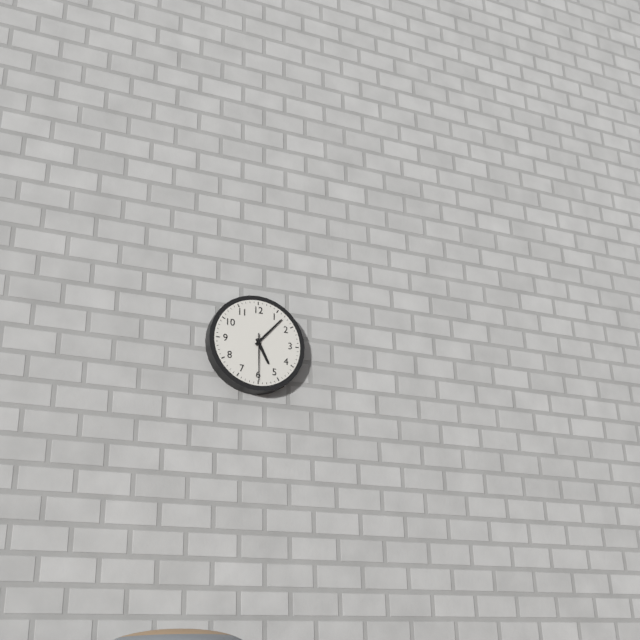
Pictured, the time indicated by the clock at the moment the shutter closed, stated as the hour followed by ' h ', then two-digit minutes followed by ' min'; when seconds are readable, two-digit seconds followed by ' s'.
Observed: 5 h 07 min
